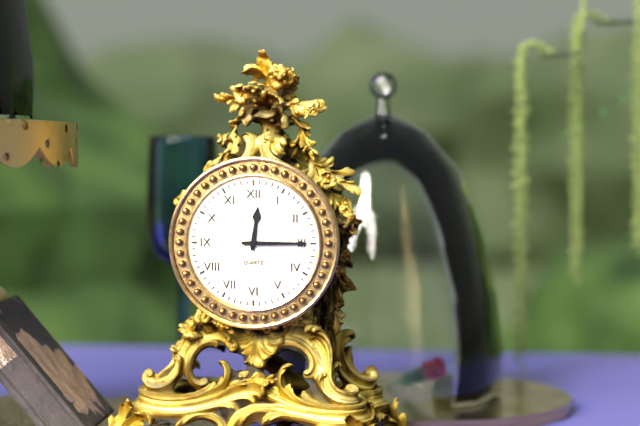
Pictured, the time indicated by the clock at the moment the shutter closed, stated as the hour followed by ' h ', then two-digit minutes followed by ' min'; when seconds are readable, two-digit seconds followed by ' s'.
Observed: 12 h 15 min
